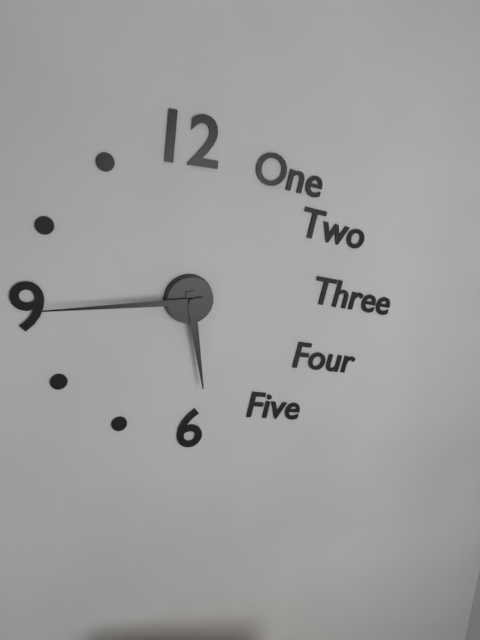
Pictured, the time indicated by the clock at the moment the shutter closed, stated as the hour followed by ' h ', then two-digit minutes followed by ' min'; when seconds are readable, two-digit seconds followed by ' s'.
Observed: 5 h 45 min
